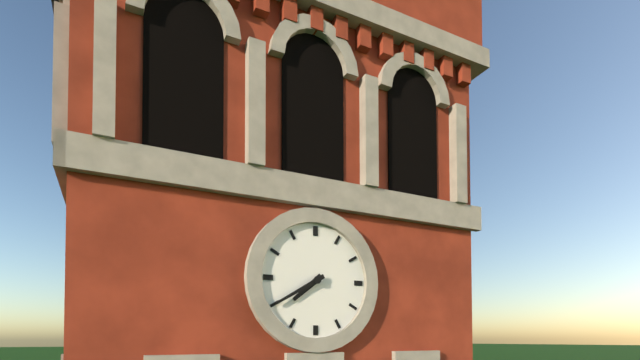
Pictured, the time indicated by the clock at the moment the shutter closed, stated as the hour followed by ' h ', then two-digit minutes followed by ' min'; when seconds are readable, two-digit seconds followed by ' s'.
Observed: 7 h 40 min
